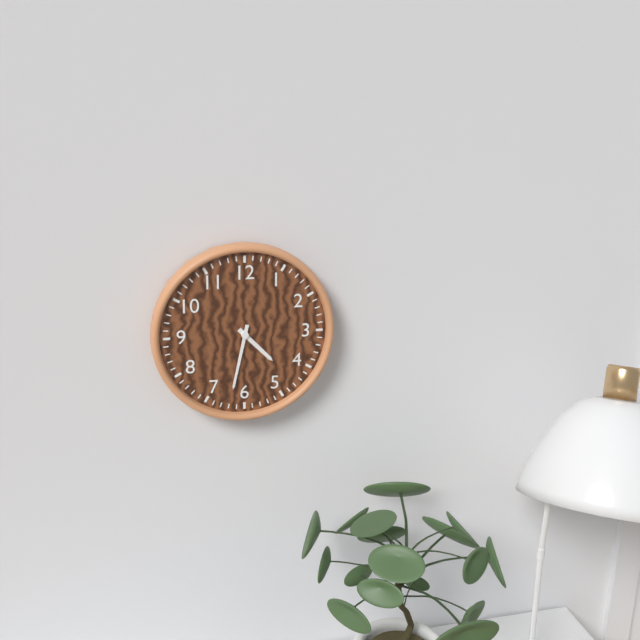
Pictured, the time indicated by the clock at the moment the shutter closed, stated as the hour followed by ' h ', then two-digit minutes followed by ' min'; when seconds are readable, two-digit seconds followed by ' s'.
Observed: 4 h 32 min
